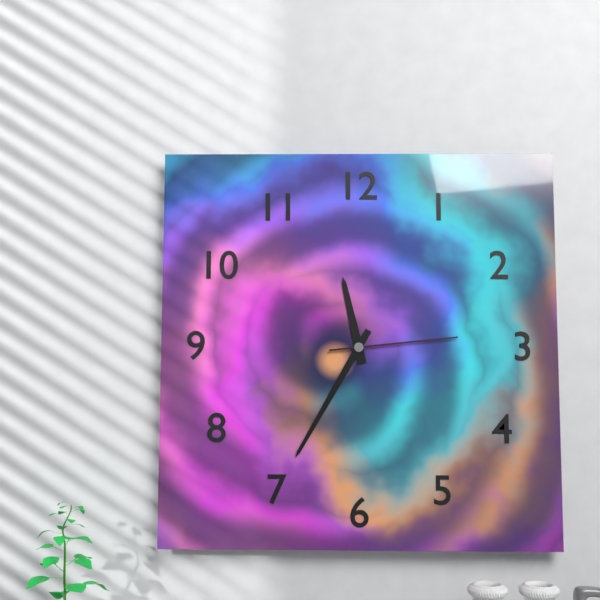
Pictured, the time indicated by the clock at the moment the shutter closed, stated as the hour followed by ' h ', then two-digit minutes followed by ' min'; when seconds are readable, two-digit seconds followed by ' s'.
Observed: 11 h 35 min 14 s
